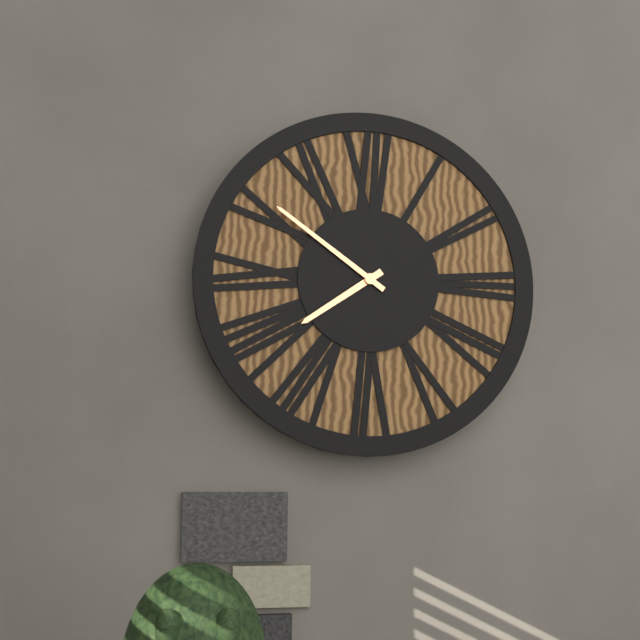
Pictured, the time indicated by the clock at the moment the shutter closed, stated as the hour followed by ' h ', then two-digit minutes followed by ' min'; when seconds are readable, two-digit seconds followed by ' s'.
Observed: 7 h 51 min
